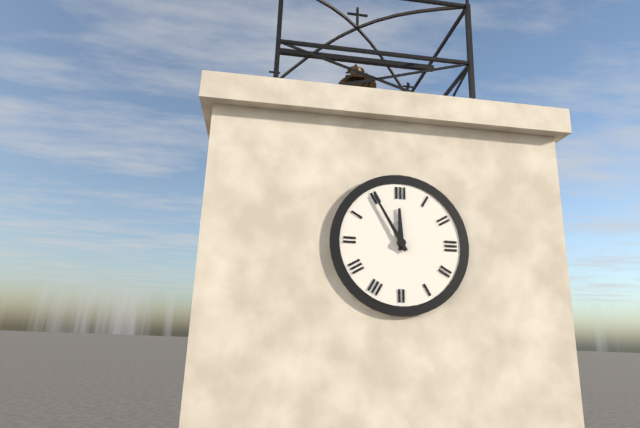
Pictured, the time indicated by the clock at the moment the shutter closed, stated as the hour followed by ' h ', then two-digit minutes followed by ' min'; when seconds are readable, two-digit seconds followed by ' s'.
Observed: 11 h 55 min
